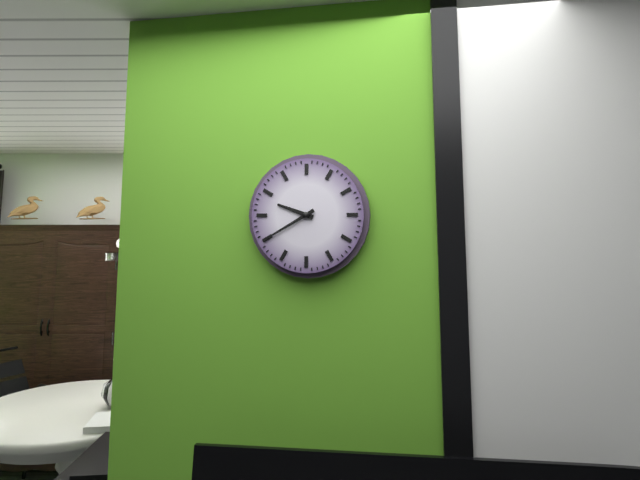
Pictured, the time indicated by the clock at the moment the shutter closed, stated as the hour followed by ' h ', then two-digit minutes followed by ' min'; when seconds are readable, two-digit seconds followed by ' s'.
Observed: 9 h 40 min
